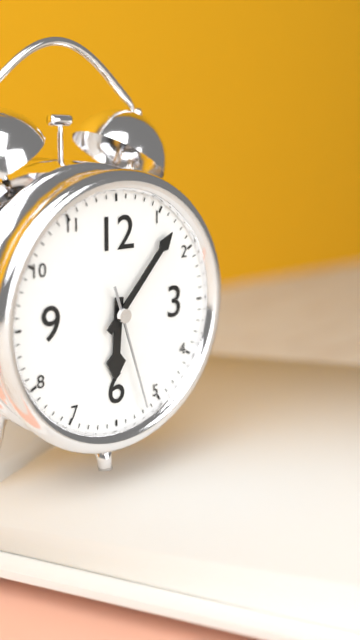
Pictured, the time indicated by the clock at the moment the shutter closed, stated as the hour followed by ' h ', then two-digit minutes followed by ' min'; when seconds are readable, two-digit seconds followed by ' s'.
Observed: 6 h 07 min 27 s
